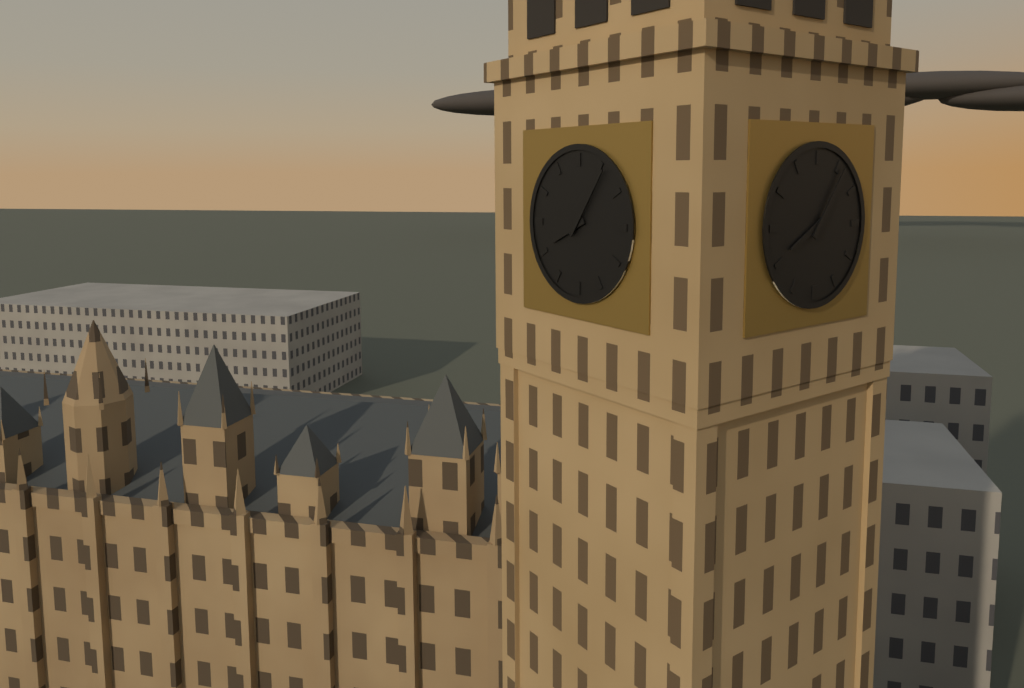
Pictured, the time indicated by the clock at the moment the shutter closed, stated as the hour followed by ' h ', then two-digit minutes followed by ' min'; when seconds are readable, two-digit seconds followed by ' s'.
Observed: 8 h 06 min
